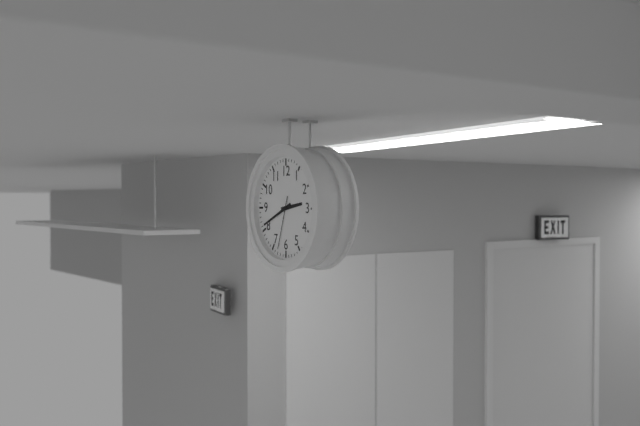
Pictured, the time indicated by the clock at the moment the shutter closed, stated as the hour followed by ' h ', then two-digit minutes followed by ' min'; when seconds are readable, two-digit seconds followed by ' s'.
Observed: 2 h 41 min 33 s
